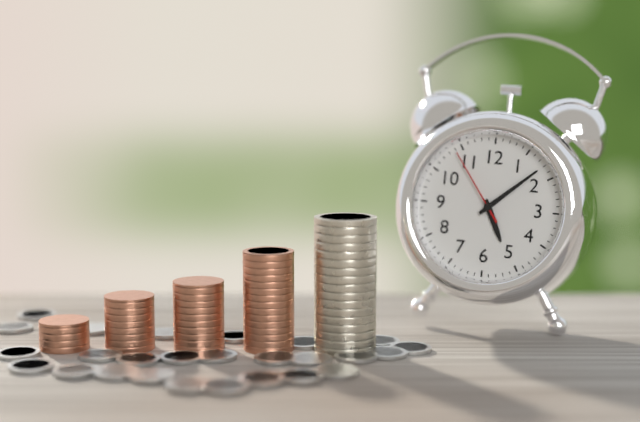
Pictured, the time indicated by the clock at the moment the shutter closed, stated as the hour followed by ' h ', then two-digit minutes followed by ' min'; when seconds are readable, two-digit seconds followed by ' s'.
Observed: 5 h 08 min 54 s
